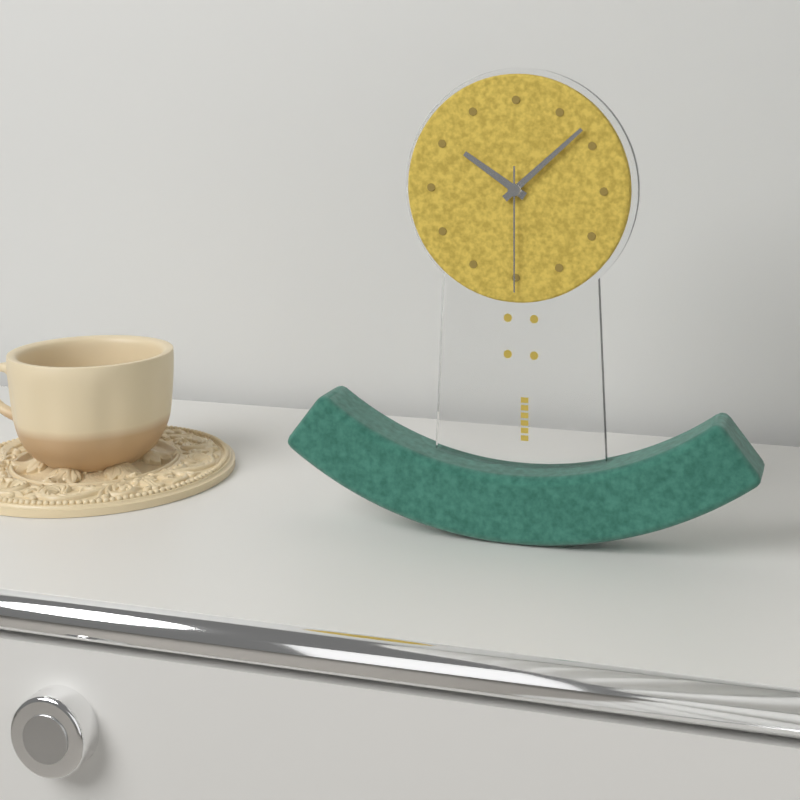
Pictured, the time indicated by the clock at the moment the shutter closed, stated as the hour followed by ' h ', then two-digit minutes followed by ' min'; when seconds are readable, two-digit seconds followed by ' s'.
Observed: 10 h 08 min 30 s
